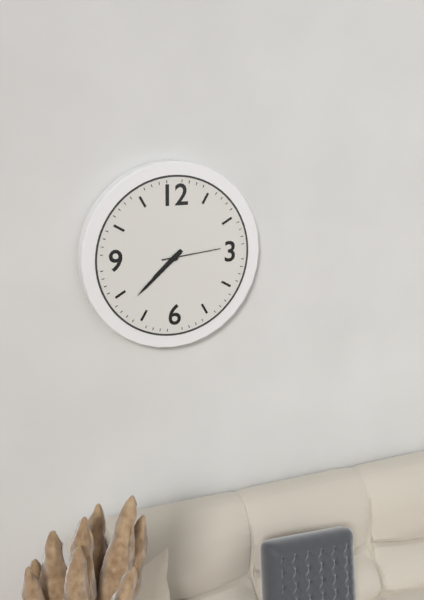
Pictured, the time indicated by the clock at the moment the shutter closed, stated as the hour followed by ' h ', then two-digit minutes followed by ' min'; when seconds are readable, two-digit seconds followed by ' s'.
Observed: 7 h 38 min 14 s
